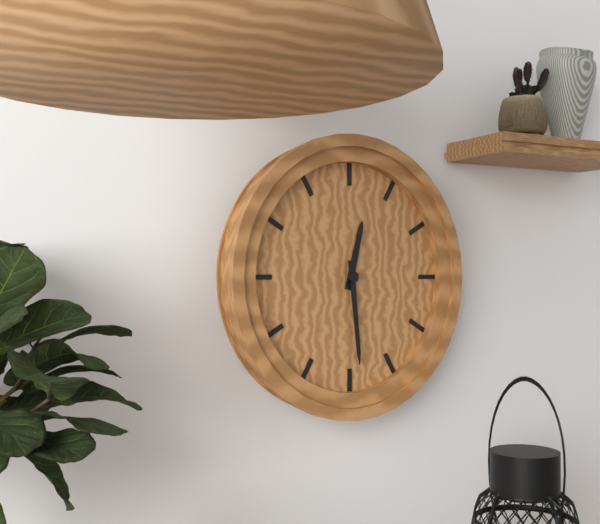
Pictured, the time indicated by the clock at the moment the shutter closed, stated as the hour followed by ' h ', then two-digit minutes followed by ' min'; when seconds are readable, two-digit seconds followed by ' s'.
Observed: 12 h 29 min
